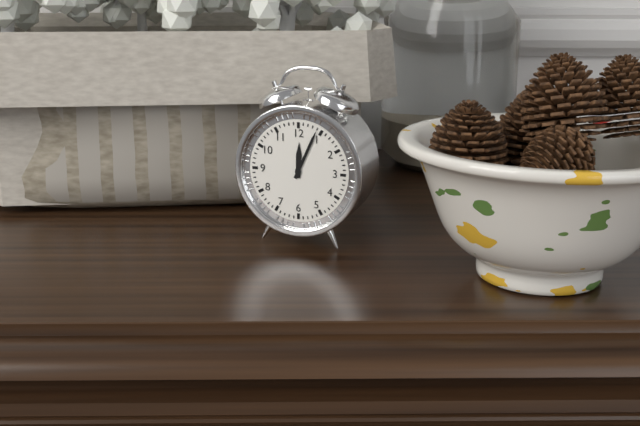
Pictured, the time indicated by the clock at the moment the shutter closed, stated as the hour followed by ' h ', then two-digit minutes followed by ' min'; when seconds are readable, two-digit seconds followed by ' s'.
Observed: 12 h 04 min
